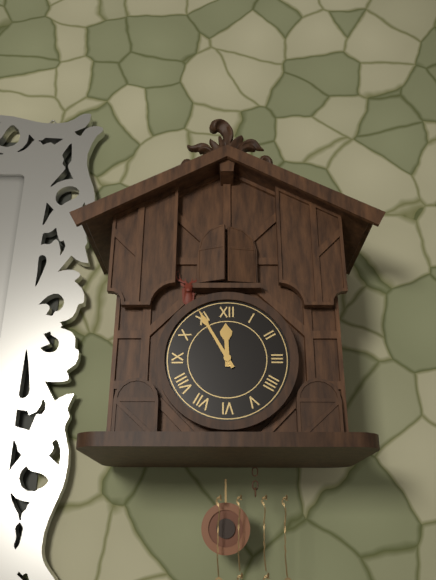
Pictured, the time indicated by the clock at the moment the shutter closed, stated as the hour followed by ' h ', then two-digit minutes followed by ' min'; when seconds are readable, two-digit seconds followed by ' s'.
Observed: 11 h 55 min
